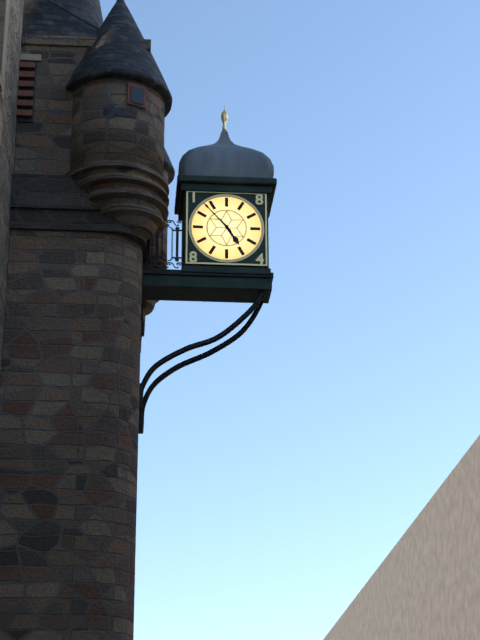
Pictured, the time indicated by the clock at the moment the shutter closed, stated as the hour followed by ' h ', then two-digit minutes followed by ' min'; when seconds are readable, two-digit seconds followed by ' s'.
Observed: 4 h 53 min
